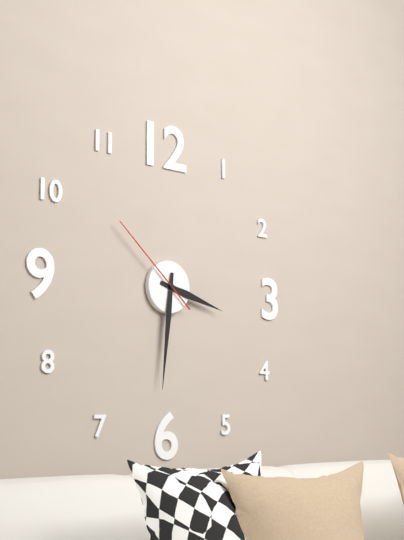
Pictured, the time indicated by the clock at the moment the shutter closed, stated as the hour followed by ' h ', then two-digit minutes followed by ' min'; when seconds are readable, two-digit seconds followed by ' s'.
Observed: 3 h 31 min 52 s
